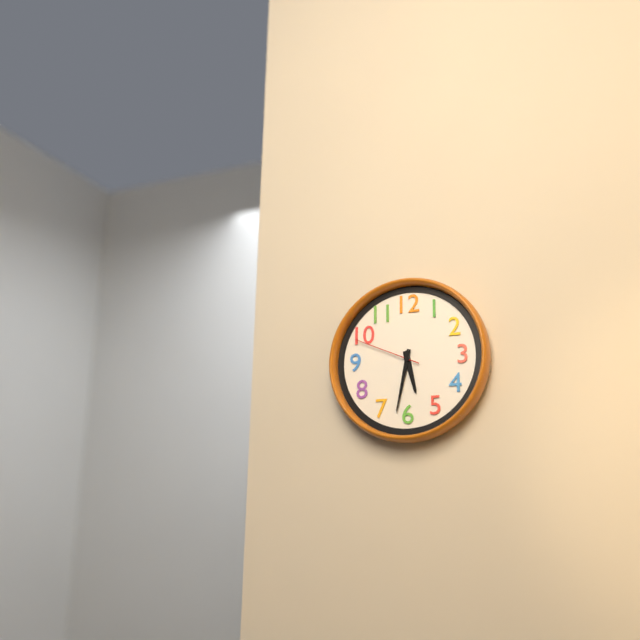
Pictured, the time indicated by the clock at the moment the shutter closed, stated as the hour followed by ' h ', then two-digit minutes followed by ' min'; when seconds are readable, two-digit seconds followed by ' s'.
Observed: 5 h 32 min 49 s
